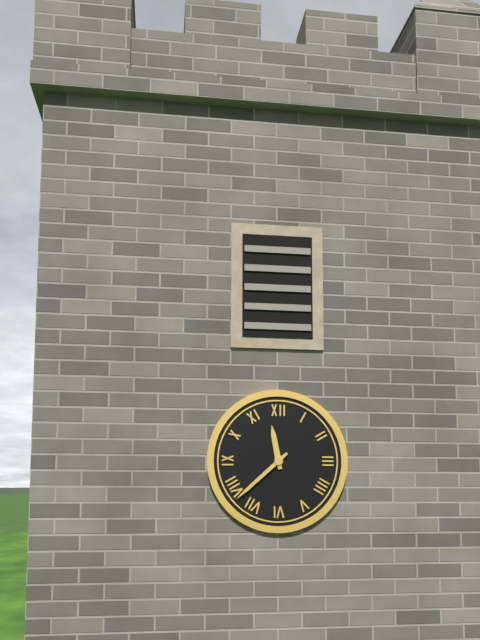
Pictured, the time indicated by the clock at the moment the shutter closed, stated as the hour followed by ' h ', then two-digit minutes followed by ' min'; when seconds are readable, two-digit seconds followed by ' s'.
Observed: 11 h 38 min
